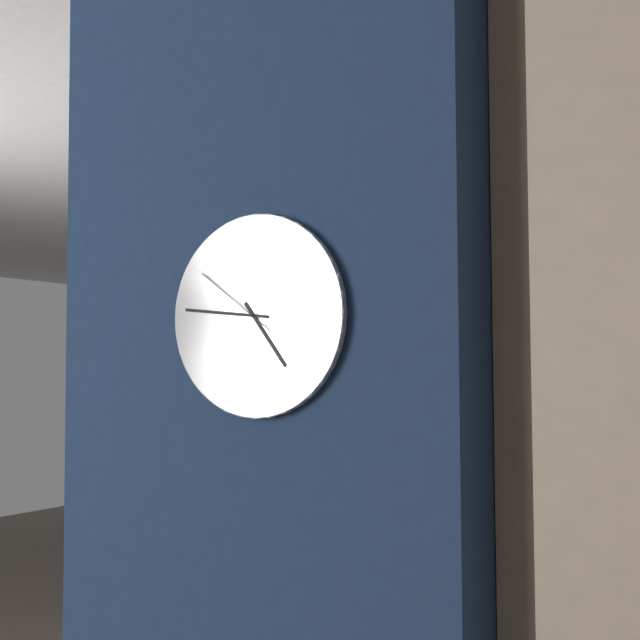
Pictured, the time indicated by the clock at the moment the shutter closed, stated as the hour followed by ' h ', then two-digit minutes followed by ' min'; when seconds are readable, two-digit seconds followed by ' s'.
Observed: 4 h 46 min 51 s
